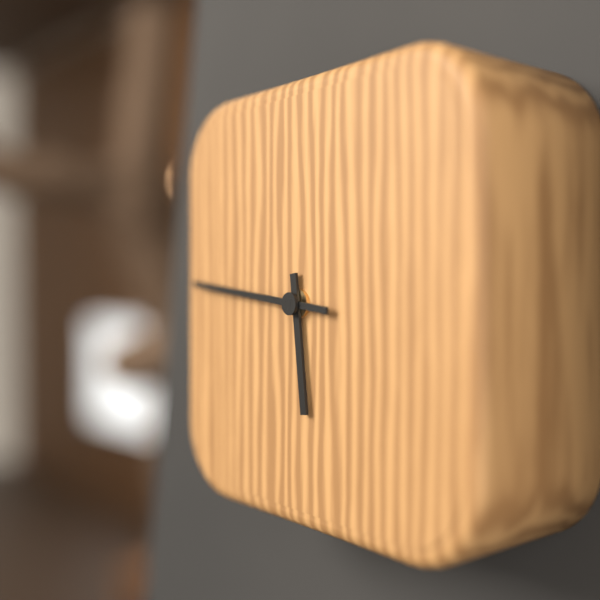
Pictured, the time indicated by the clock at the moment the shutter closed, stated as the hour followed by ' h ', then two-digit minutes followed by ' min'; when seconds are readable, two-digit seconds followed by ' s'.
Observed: 5 h 46 min
